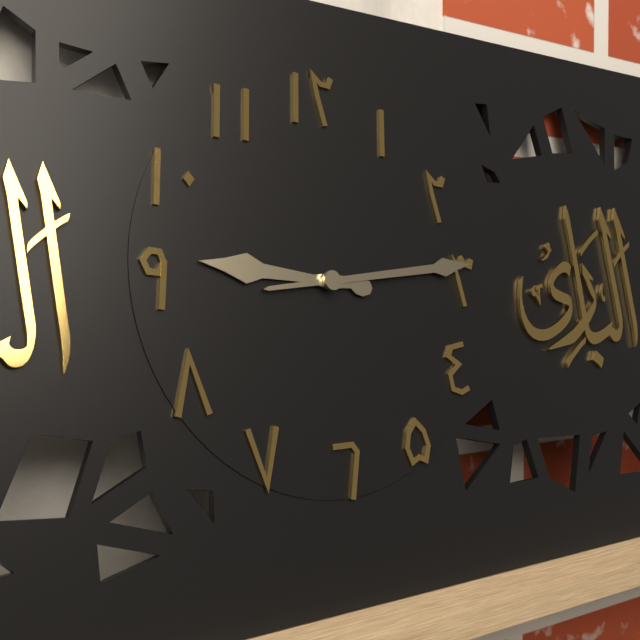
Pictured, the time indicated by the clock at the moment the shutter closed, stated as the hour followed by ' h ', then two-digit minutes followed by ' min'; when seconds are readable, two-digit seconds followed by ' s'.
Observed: 9 h 14 min
